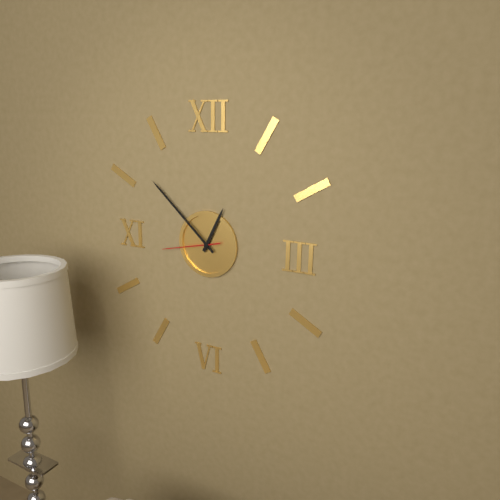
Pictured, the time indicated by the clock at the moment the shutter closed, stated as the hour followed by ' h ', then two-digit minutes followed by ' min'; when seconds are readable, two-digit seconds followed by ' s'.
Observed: 12 h 52 min 43 s
